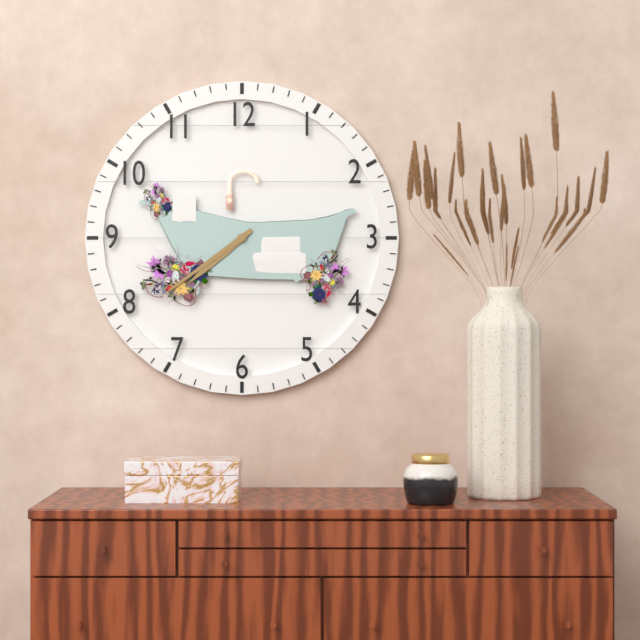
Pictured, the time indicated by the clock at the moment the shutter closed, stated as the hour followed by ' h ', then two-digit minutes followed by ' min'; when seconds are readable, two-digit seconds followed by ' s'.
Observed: 7 h 39 min
